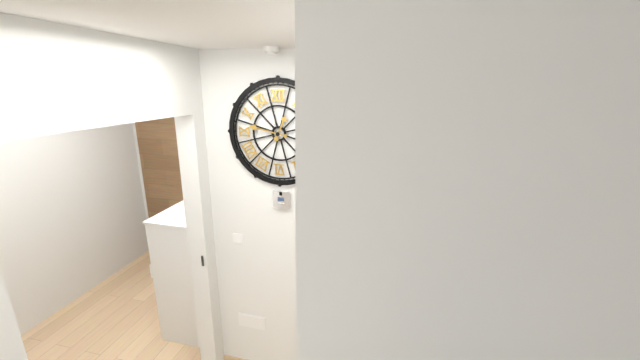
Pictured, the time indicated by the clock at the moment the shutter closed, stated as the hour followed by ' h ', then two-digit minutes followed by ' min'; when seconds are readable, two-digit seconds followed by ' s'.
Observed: 12 h 47 min
